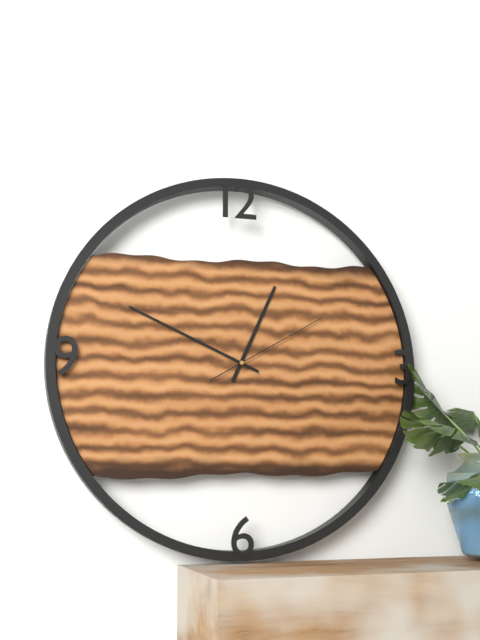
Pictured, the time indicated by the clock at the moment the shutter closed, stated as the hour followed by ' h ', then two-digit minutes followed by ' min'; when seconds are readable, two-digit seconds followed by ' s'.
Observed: 12 h 49 min 10 s
